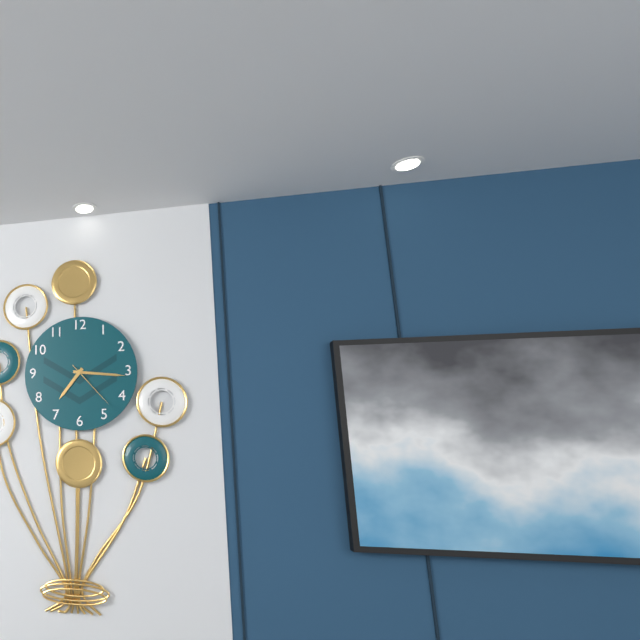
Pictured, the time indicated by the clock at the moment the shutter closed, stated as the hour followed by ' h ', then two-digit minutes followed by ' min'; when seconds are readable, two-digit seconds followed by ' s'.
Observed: 7 h 16 min 23 s
